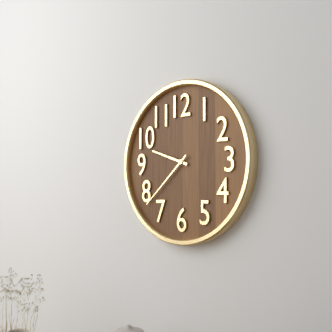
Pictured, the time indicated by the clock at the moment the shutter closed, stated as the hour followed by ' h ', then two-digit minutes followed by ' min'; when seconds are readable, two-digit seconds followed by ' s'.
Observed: 9 h 38 min
